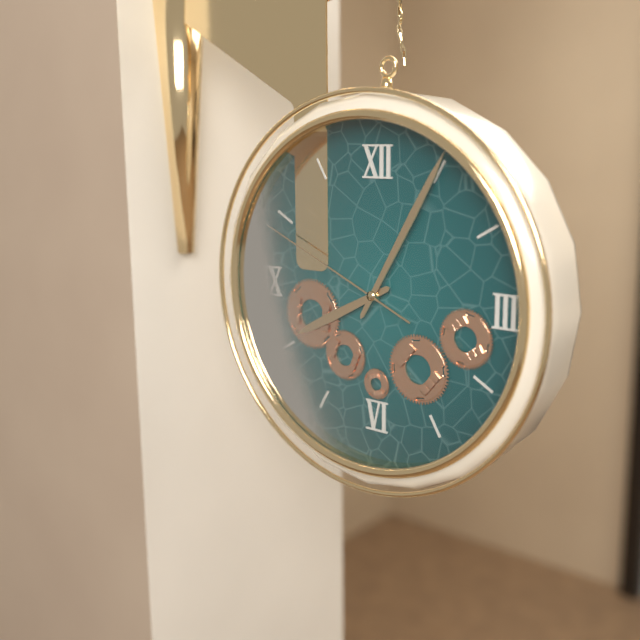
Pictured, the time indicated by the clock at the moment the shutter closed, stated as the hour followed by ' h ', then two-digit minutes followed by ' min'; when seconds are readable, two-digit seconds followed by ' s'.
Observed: 8 h 05 min 49 s
